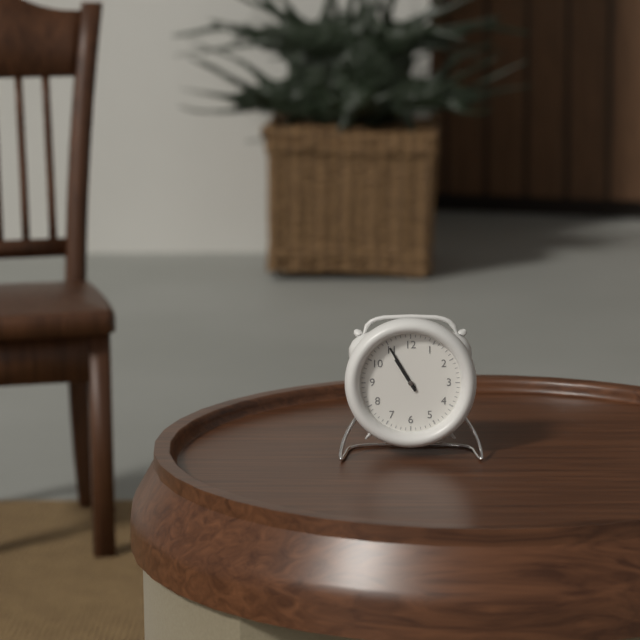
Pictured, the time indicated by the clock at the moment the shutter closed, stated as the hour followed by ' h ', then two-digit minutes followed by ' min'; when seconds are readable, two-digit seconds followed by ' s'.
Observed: 10 h 55 min
